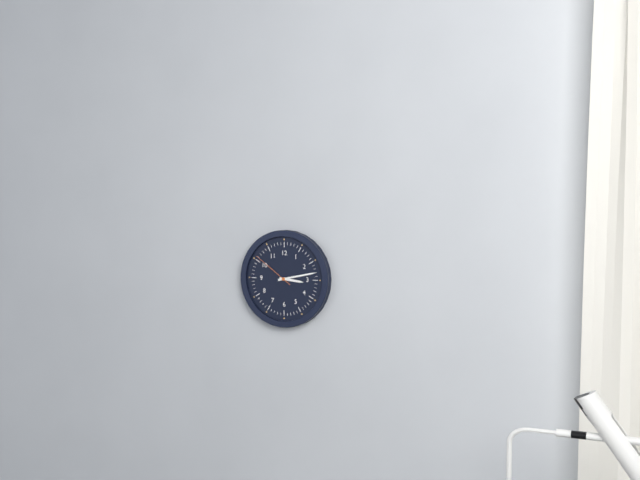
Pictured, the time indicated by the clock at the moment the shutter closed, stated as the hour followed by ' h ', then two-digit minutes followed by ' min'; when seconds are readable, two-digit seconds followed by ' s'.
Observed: 3 h 13 min
